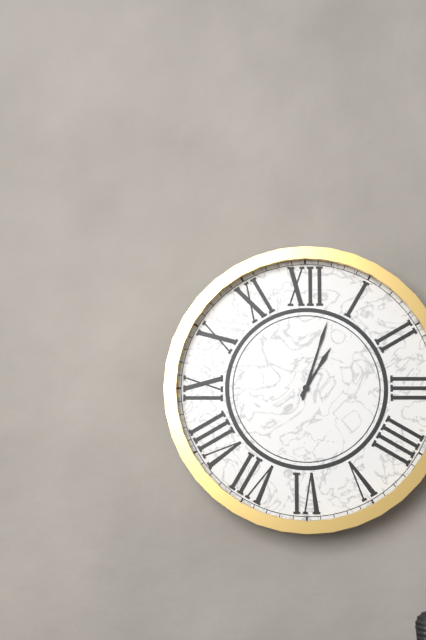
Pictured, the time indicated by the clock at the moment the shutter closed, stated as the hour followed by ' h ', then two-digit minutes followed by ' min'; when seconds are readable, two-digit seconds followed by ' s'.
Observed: 1 h 03 min
